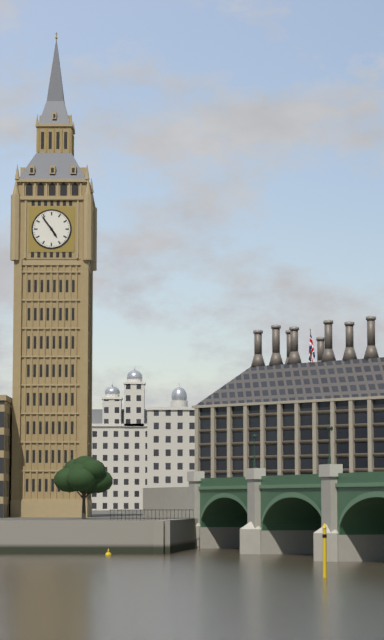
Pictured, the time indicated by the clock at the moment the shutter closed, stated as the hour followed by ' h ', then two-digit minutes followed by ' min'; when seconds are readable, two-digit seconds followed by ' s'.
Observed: 4 h 54 min
